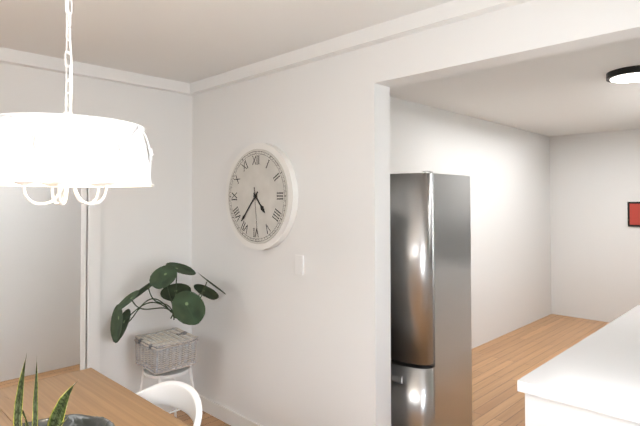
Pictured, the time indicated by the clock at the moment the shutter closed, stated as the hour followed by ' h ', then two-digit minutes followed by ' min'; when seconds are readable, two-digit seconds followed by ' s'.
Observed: 4 h 37 min
